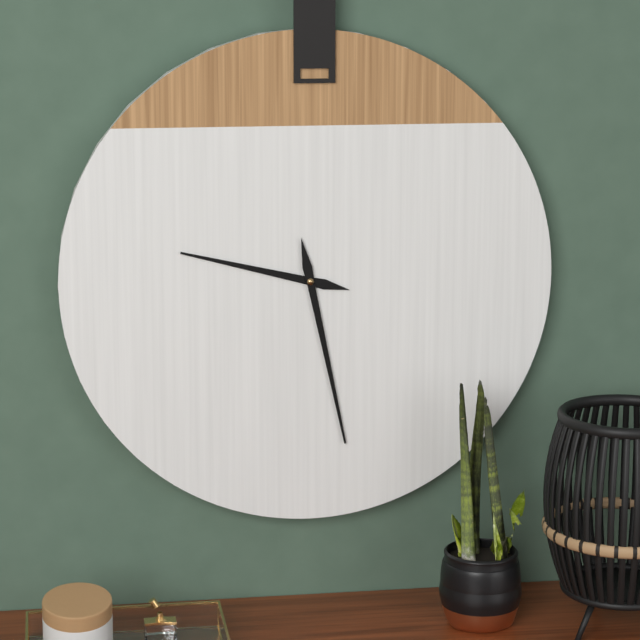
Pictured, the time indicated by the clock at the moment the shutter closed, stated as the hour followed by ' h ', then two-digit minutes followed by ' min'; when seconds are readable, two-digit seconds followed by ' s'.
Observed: 9 h 28 min
